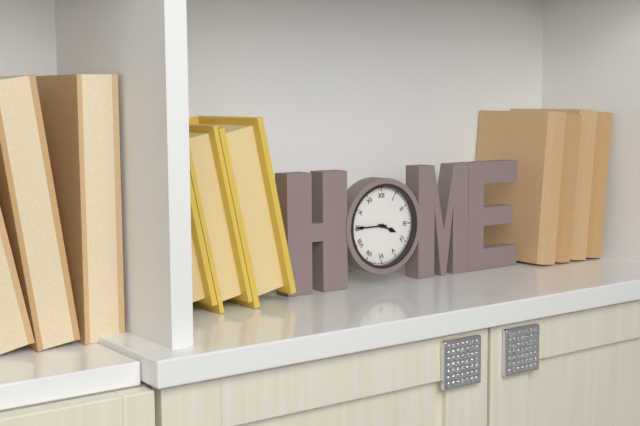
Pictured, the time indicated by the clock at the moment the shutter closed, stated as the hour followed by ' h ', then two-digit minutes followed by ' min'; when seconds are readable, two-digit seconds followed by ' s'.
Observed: 3 h 45 min
